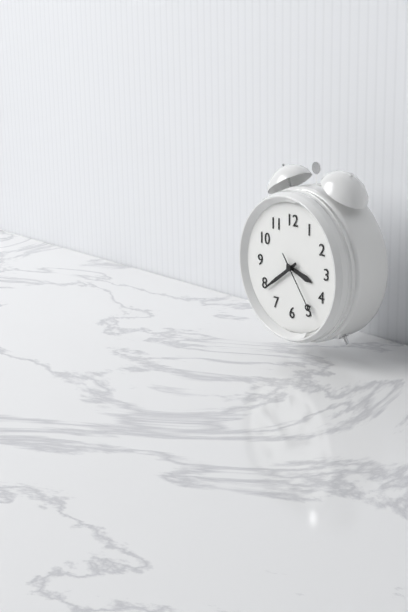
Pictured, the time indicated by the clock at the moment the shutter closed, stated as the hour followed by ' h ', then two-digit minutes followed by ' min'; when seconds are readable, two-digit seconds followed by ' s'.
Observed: 3 h 39 min 24 s
